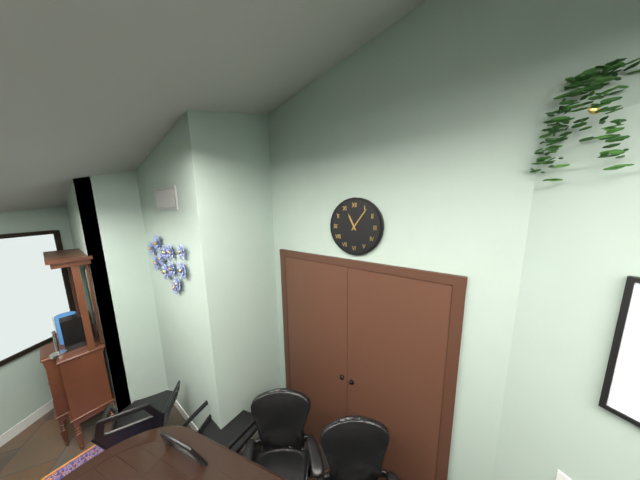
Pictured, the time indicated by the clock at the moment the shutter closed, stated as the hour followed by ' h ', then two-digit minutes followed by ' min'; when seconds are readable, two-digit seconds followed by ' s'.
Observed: 11 h 06 min
